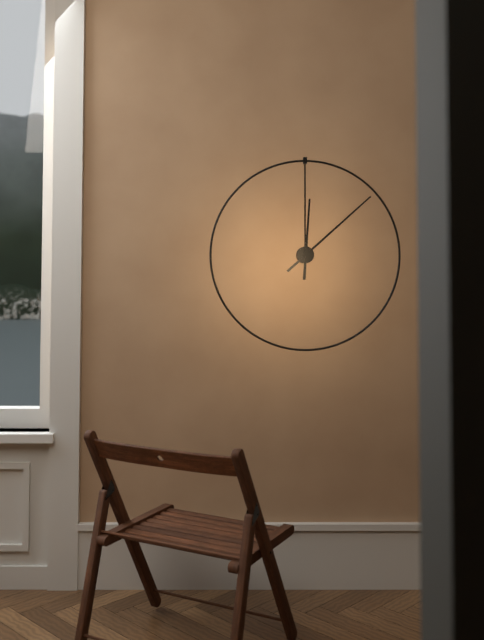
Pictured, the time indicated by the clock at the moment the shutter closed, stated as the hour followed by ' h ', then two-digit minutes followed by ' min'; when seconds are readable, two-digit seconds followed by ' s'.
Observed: 12 h 08 min
